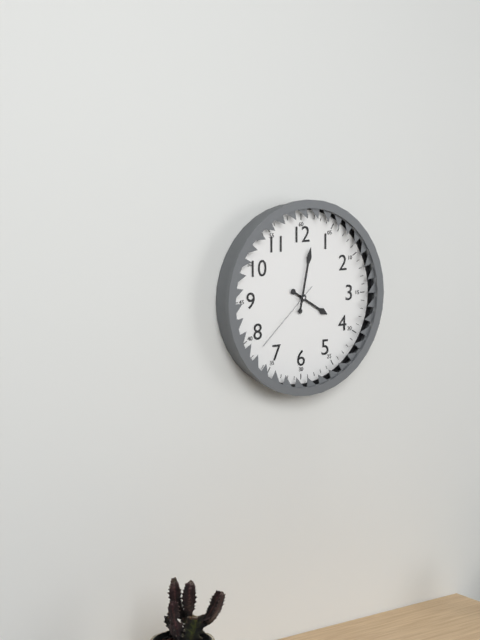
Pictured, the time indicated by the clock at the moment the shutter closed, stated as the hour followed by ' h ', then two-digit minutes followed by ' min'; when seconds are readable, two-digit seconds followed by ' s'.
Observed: 4 h 02 min 38 s
